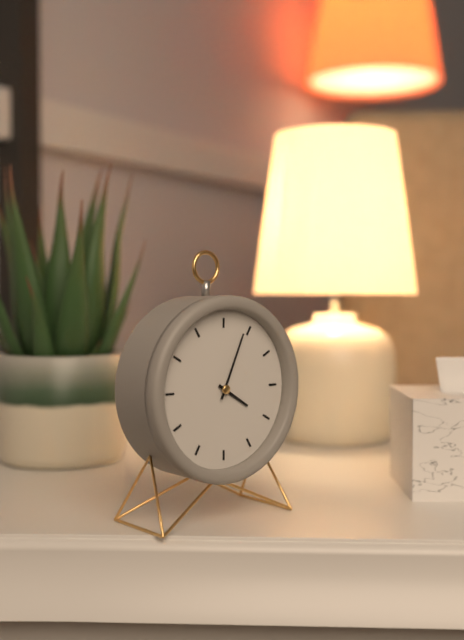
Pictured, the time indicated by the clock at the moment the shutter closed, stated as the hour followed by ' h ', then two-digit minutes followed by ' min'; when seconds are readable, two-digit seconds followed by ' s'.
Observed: 4 h 04 min
